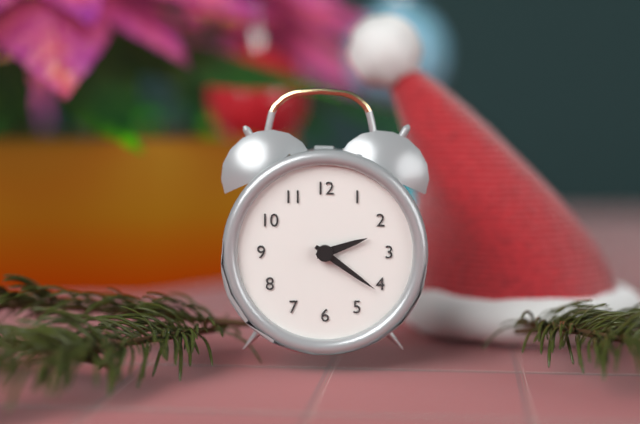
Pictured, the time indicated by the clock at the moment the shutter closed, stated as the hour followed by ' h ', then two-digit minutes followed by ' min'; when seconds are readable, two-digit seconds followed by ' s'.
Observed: 2 h 21 min
